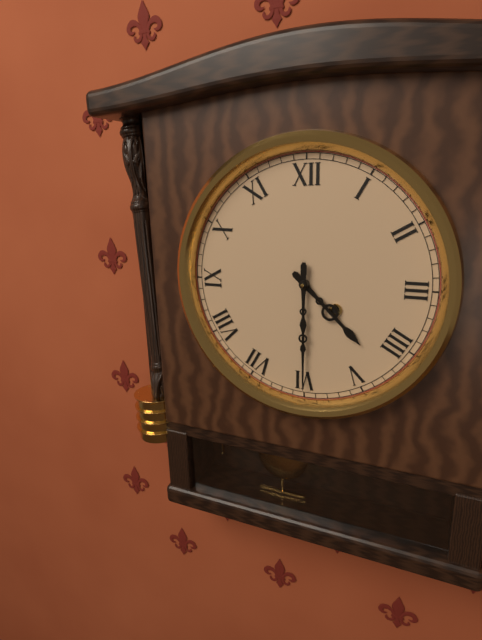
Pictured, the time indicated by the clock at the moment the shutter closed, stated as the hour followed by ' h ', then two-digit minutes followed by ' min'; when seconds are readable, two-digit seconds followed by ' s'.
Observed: 4 h 30 min
